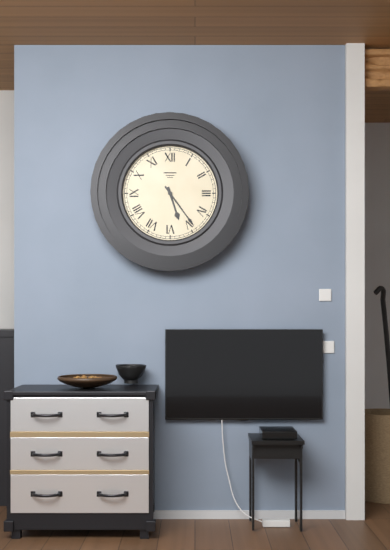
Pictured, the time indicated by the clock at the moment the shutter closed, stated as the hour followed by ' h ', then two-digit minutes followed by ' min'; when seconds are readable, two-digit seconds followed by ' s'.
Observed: 5 h 24 min
